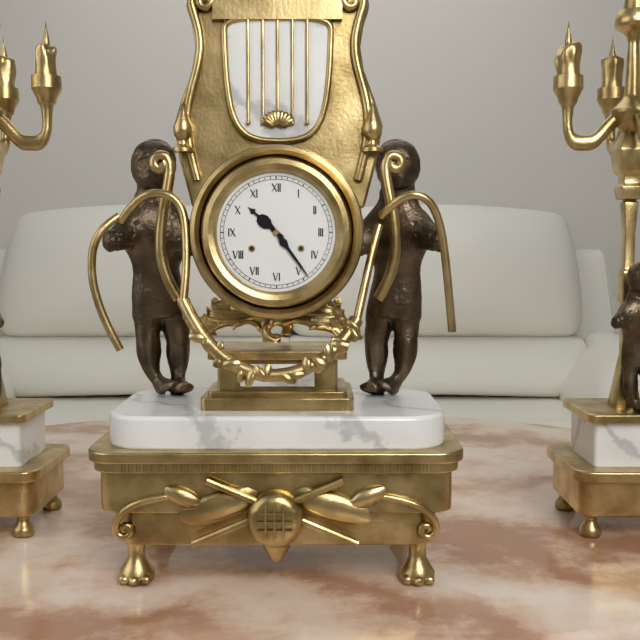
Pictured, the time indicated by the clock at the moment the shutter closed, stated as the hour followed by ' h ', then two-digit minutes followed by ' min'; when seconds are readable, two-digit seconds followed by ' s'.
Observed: 10 h 24 min
